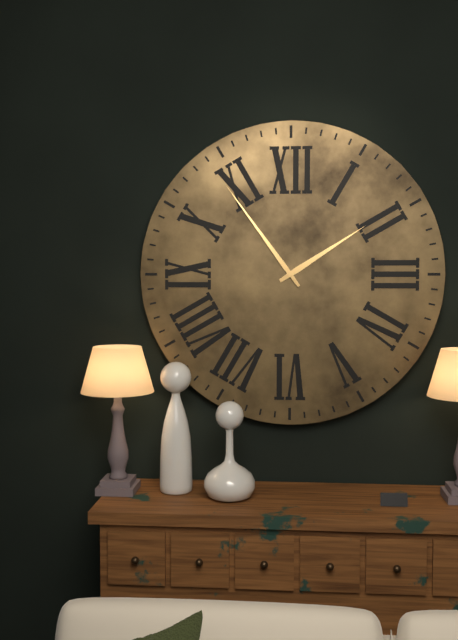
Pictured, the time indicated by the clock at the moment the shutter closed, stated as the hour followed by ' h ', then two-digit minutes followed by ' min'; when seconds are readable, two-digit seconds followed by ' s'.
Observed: 1 h 54 min
